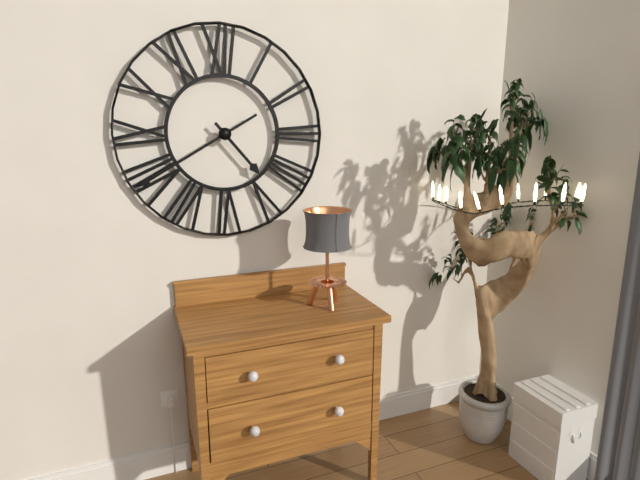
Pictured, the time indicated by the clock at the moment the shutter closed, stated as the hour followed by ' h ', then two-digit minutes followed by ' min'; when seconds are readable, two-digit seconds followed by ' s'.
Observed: 4 h 40 min
